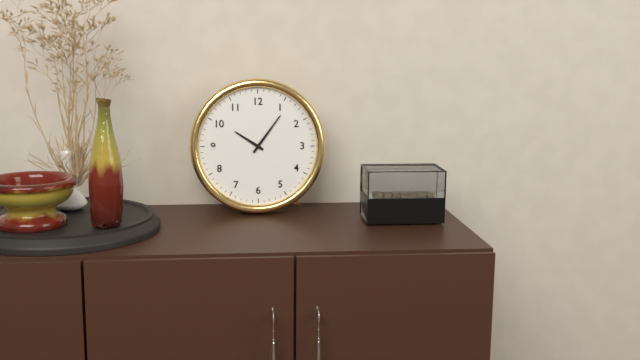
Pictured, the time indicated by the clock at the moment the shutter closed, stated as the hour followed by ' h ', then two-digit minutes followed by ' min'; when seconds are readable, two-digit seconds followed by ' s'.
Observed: 10 h 06 min
